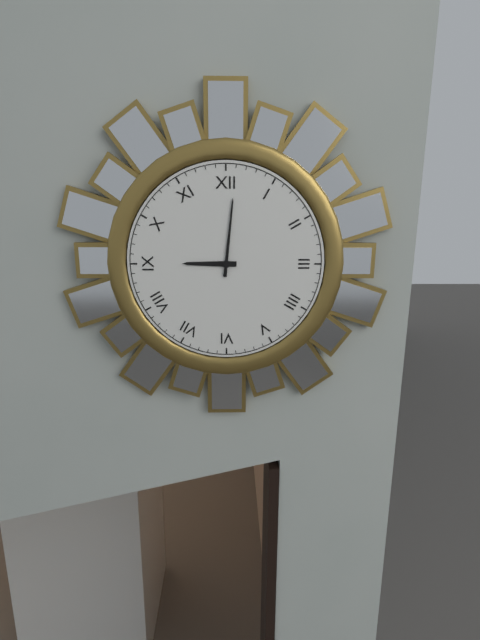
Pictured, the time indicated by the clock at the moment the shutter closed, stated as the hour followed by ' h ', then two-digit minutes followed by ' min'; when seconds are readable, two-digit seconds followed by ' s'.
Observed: 9 h 01 min
